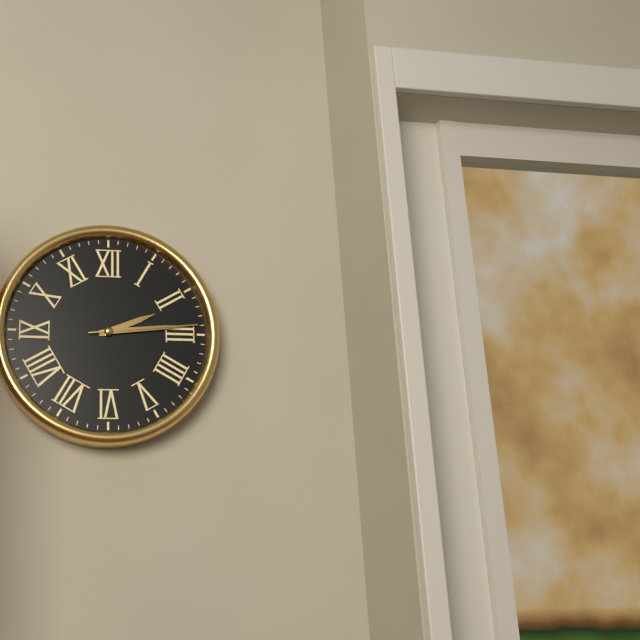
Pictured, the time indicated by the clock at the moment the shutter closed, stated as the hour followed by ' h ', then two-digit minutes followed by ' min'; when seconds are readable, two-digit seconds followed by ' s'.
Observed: 2 h 14 min 14 s
